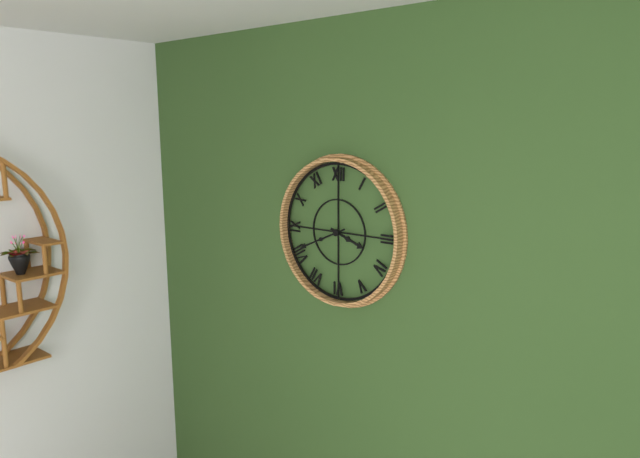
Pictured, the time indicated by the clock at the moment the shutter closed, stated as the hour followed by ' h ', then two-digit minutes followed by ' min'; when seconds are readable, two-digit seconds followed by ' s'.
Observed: 3 h 41 min
